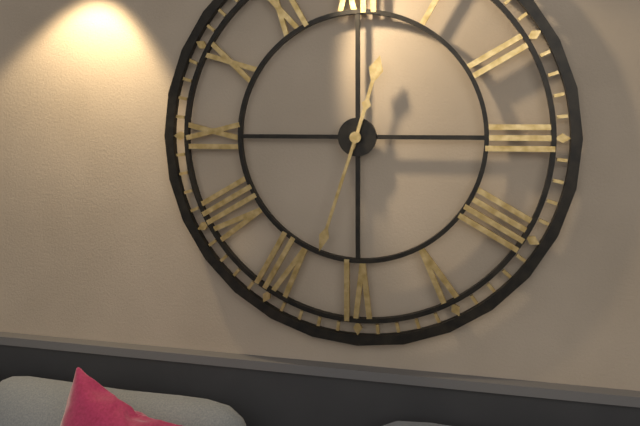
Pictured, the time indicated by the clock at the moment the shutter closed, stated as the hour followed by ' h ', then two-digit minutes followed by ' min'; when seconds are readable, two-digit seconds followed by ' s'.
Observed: 12 h 33 min
